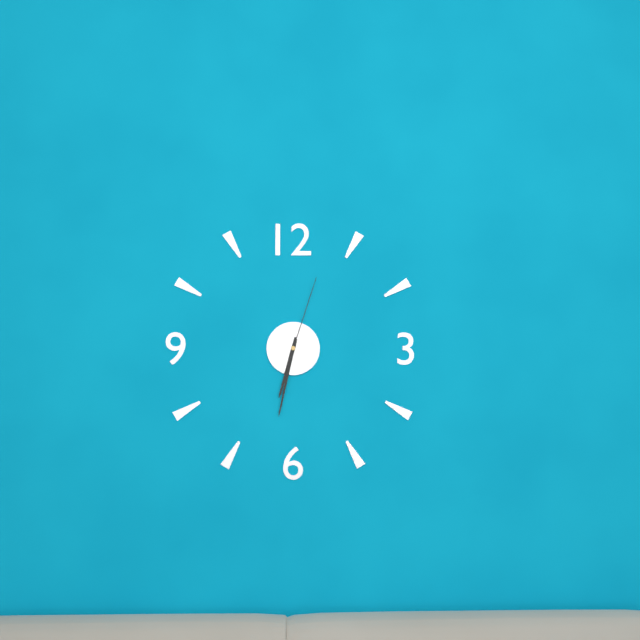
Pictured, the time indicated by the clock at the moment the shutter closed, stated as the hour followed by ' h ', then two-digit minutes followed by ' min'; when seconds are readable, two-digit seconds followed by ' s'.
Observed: 6 h 32 min 03 s
